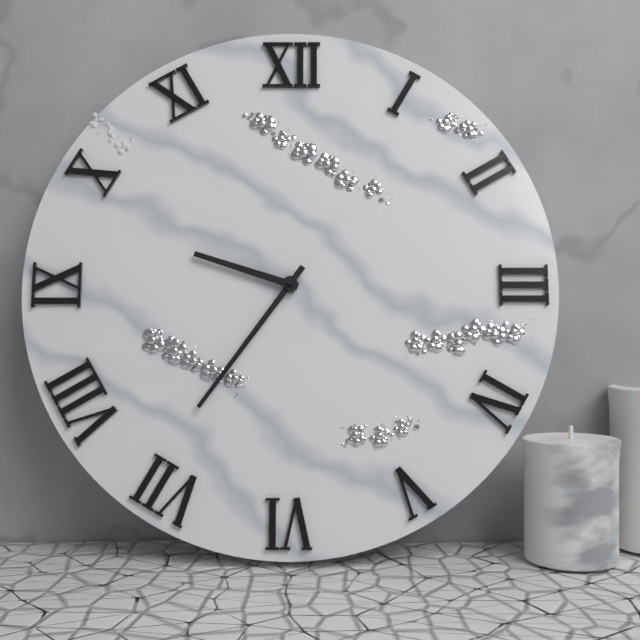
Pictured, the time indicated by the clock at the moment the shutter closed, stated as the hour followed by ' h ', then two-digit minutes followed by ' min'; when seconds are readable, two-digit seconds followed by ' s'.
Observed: 9 h 36 min
